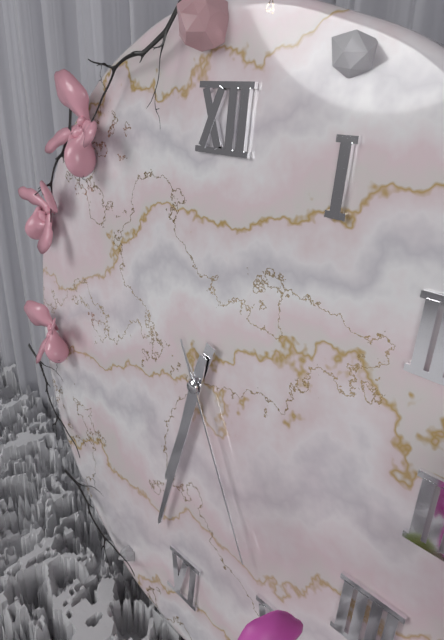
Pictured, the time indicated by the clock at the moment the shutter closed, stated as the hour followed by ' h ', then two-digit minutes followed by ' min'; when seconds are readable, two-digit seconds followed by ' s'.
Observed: 6 h 32 min 25 s
